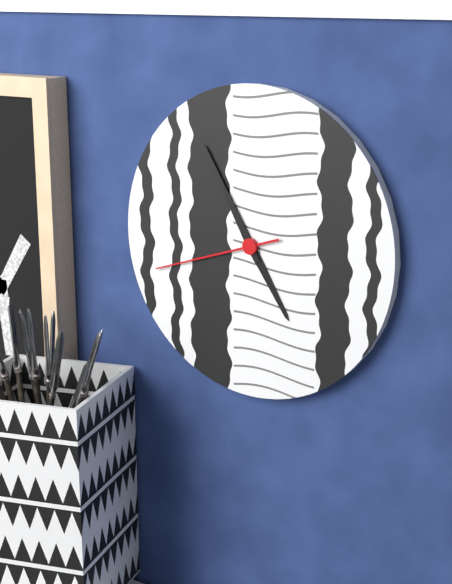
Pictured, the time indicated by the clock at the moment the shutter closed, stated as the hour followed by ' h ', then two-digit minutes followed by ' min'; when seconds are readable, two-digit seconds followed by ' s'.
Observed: 4 h 55 min 42 s
